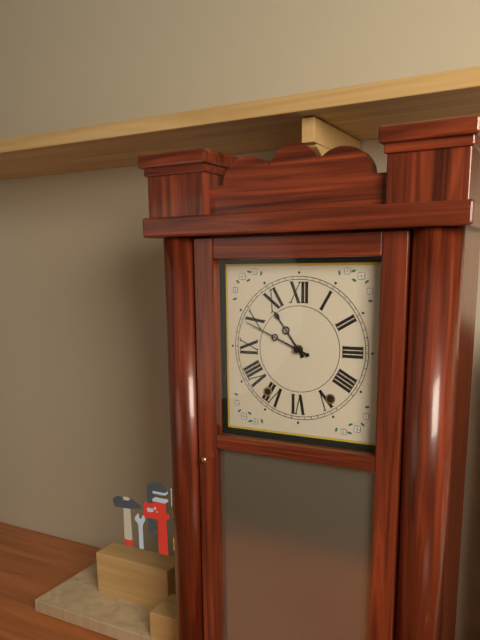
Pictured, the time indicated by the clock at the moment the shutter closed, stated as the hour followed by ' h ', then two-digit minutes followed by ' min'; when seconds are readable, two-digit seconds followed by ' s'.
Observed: 10 h 49 min
